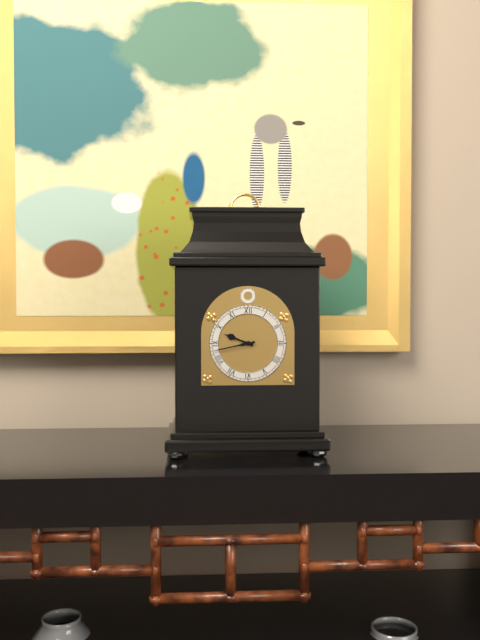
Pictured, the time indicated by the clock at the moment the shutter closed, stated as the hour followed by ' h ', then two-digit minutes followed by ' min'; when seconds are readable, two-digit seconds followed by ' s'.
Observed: 9 h 43 min
